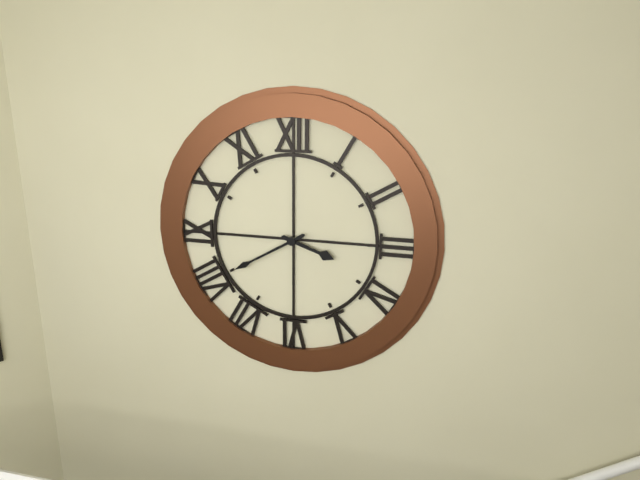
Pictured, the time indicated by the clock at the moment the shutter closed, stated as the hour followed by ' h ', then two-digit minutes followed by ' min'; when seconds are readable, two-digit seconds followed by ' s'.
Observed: 3 h 40 min
